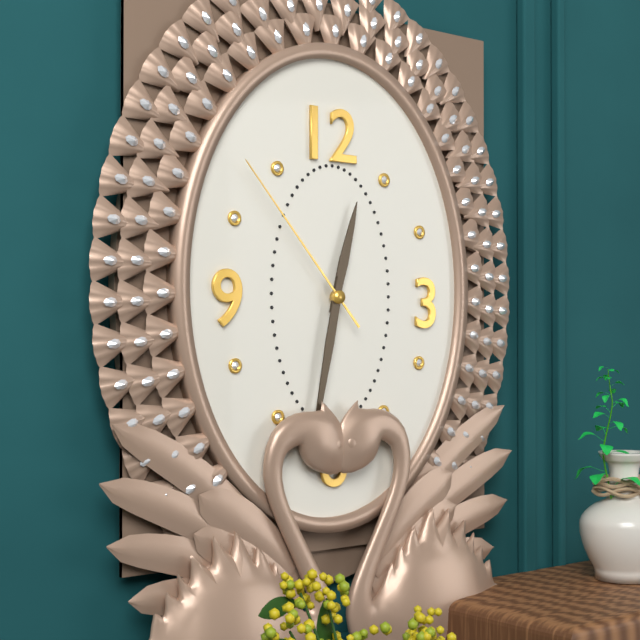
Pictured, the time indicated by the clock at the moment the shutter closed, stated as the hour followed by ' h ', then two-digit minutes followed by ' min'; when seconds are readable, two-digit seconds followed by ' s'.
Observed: 12 h 32 min 53 s
